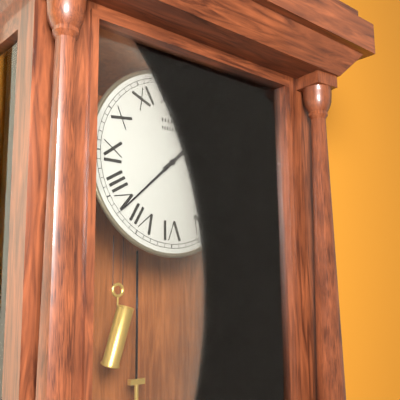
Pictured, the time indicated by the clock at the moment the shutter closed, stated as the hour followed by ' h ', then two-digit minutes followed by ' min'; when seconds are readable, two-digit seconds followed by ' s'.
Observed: 1 h 38 min
